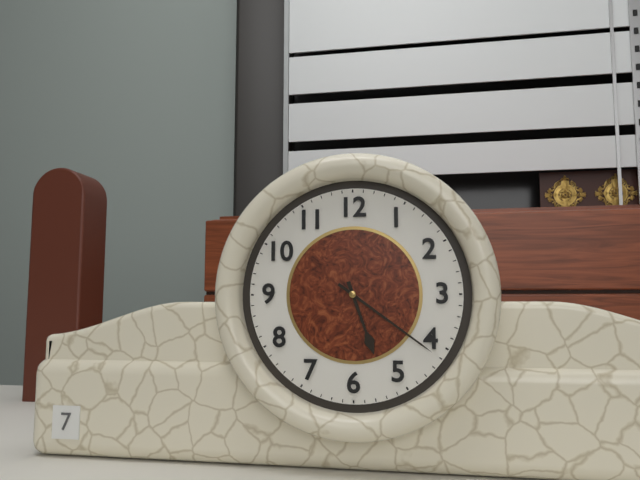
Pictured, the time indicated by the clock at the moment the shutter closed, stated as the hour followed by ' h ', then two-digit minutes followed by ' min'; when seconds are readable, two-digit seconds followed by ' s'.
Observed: 5 h 21 min
